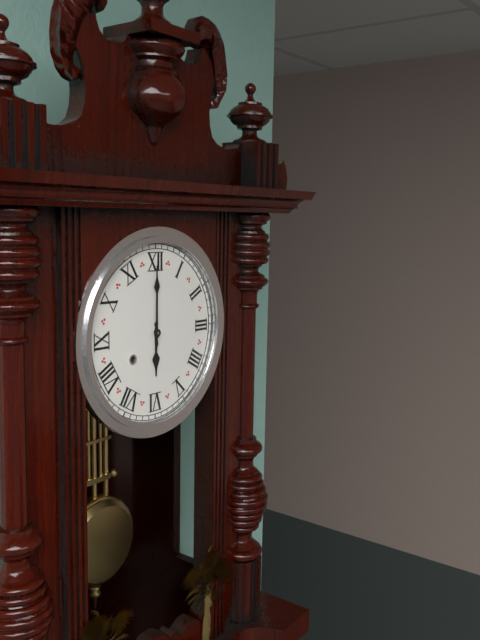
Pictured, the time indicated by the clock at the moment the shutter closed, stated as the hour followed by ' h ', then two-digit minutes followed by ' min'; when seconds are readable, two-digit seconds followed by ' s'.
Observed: 6 h 00 min
